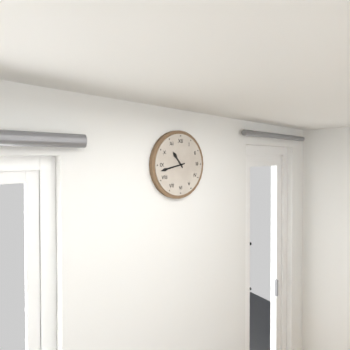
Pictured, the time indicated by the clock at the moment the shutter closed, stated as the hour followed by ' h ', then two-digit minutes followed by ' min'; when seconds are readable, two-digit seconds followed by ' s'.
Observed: 10 h 43 min
